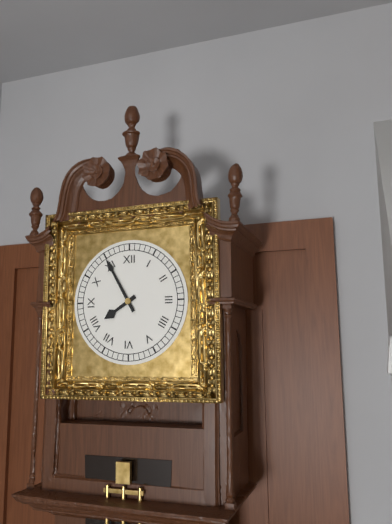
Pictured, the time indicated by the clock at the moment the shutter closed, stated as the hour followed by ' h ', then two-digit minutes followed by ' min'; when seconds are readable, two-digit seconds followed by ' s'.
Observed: 7 h 55 min
